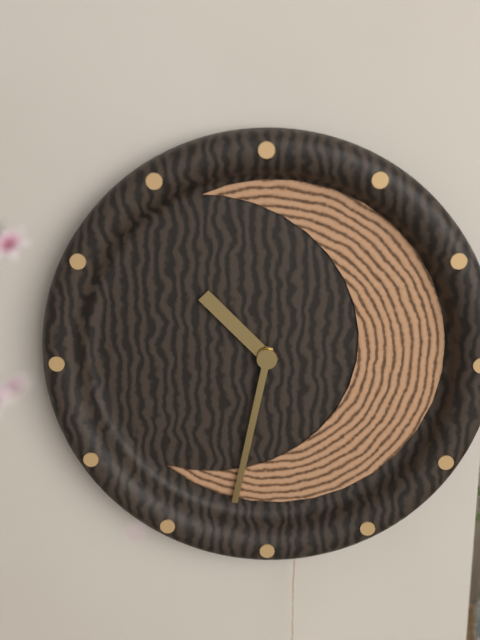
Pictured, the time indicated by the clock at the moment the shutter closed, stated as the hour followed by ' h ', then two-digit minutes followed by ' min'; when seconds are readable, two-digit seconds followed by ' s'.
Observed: 10 h 32 min
